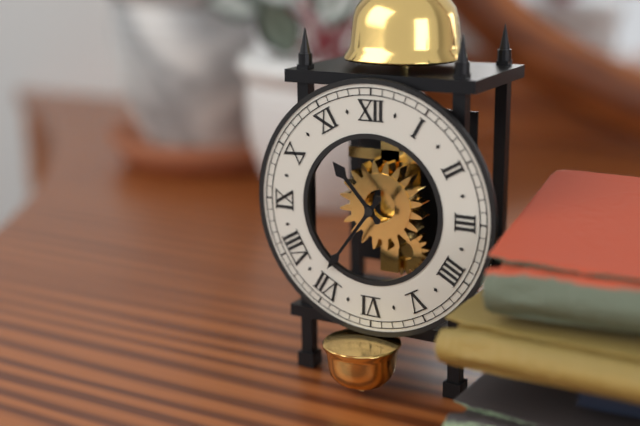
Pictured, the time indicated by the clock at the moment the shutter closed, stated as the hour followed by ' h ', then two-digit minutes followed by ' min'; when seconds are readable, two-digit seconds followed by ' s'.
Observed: 10 h 36 min
